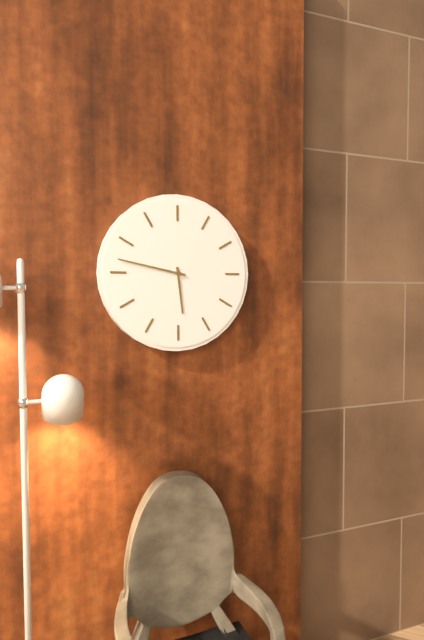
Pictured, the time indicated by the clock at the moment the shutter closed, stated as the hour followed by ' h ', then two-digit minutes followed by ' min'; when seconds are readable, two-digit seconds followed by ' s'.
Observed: 5 h 47 min
